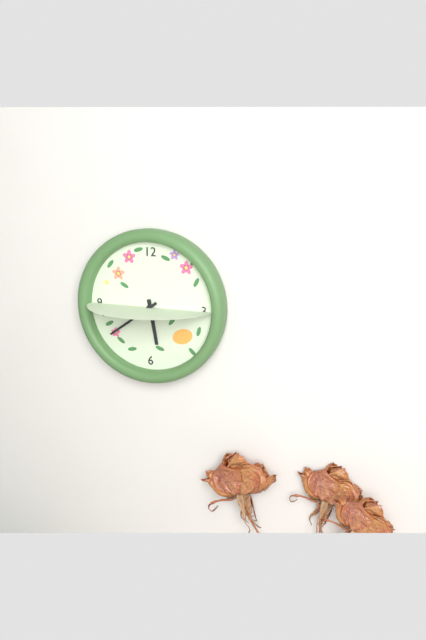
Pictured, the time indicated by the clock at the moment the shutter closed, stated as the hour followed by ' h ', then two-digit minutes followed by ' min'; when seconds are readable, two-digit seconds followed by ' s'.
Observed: 5 h 39 min
